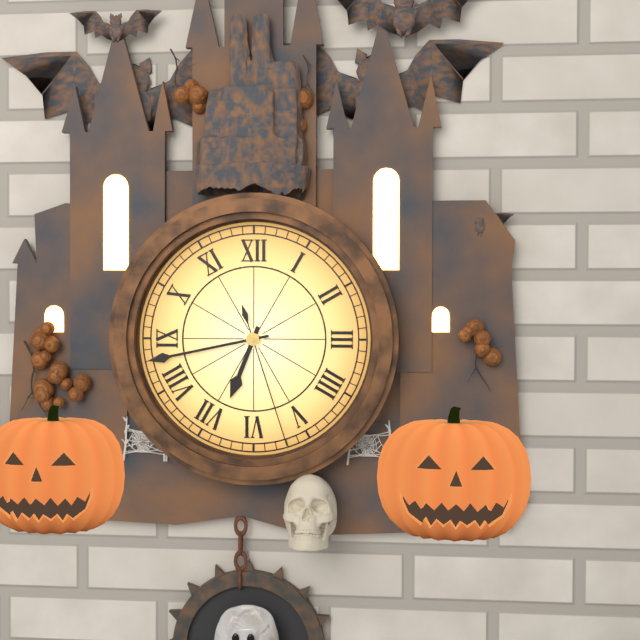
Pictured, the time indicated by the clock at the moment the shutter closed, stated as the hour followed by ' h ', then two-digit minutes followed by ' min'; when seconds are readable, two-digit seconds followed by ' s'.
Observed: 6 h 43 min 27 s
